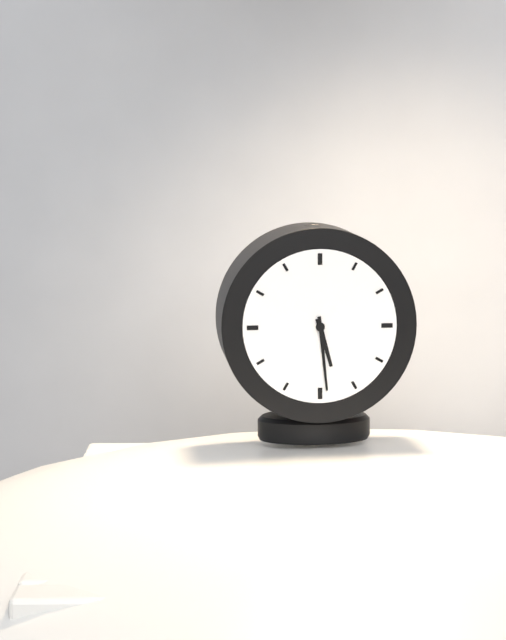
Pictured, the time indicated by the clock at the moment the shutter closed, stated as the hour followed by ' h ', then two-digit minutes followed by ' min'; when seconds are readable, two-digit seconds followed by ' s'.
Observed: 5 h 29 min
